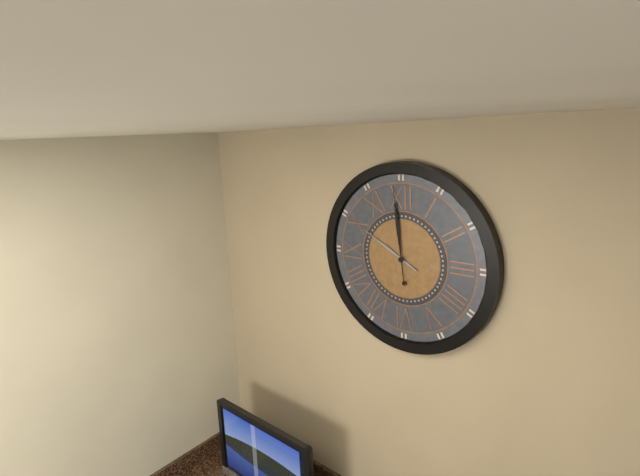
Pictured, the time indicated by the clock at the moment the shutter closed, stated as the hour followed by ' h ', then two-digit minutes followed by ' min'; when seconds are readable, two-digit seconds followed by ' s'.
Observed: 9 h 59 min
